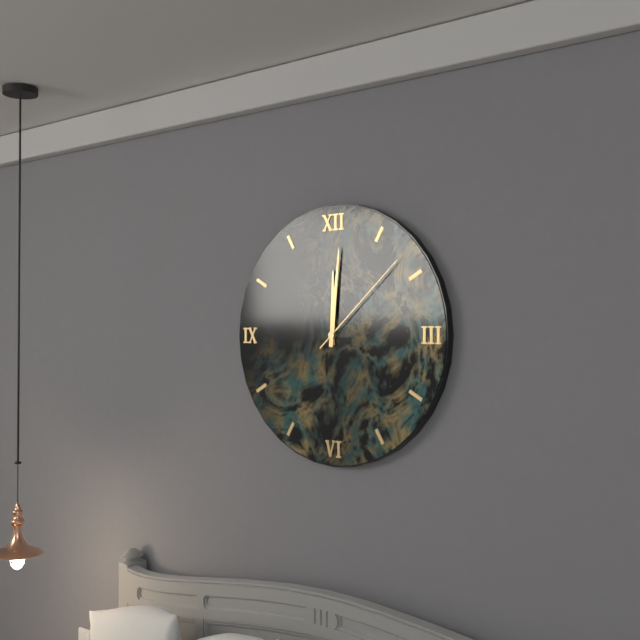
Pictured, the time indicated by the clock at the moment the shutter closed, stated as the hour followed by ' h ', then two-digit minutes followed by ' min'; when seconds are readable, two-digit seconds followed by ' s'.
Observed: 12 h 01 min 08 s
